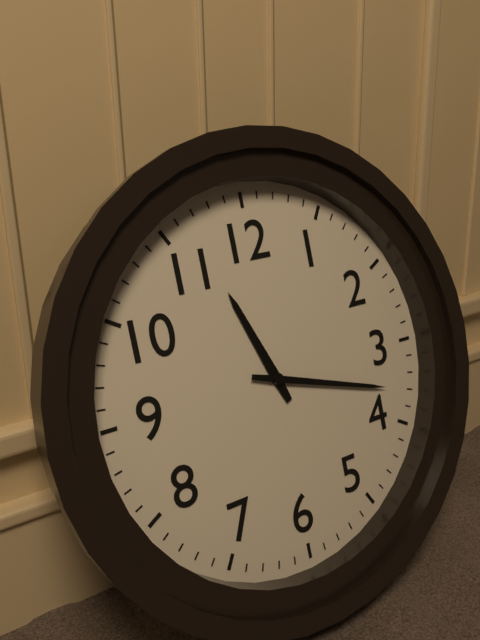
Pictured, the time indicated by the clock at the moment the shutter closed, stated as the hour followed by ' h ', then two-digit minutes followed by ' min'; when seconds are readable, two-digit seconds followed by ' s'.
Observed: 11 h 18 min
